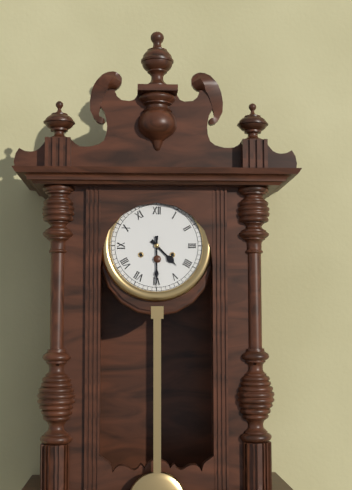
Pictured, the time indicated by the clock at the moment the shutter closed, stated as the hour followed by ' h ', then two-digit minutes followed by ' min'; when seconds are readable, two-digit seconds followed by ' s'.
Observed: 4 h 30 min
